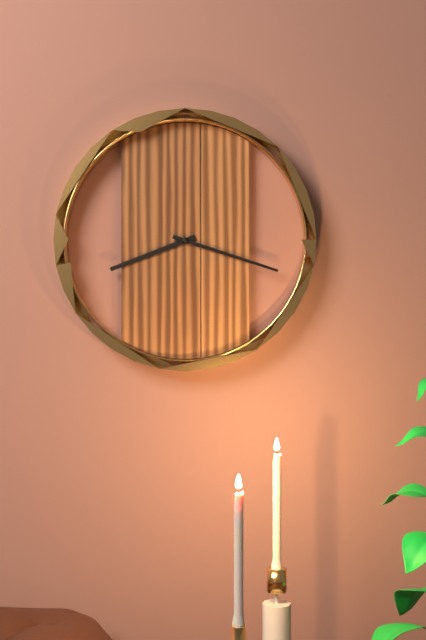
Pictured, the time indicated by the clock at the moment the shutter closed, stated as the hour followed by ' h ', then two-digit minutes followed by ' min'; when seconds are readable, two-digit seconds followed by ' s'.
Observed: 8 h 18 min
